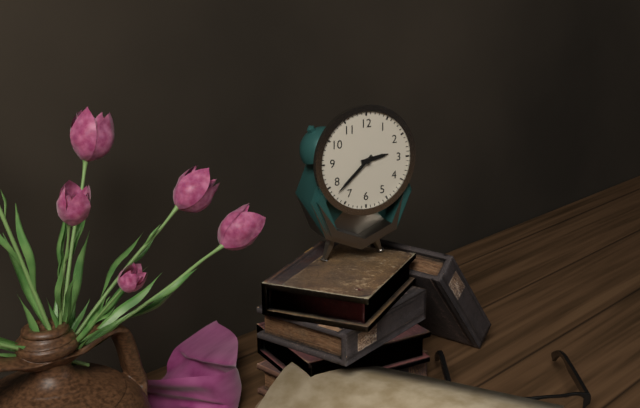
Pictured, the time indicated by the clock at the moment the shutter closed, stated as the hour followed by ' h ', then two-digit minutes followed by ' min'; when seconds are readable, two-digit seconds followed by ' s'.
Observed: 2 h 38 min
